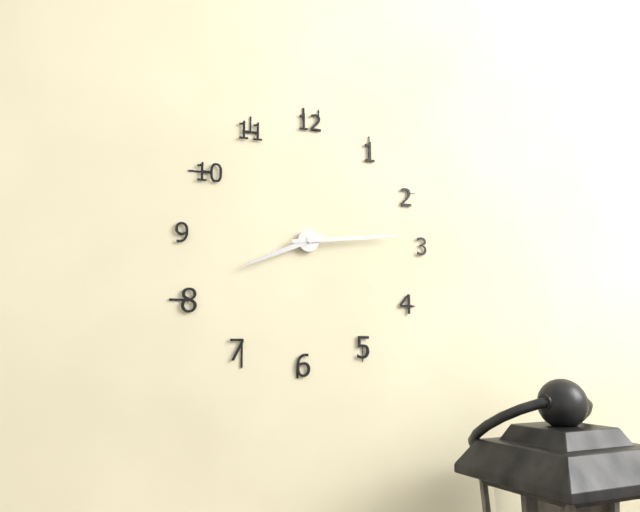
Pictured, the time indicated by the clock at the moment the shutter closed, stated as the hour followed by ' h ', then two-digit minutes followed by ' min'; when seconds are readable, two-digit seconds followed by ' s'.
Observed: 8 h 14 min
